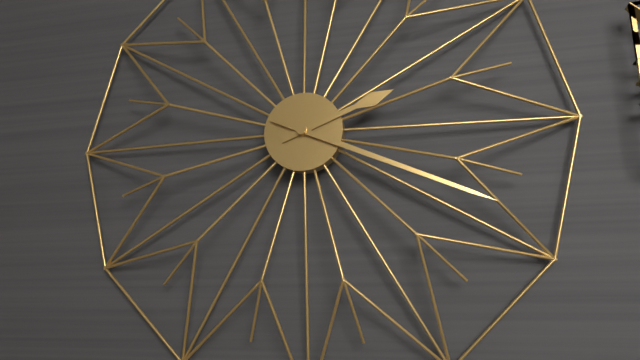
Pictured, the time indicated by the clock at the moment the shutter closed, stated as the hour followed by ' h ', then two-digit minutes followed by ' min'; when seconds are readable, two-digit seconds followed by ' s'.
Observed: 2 h 19 min
